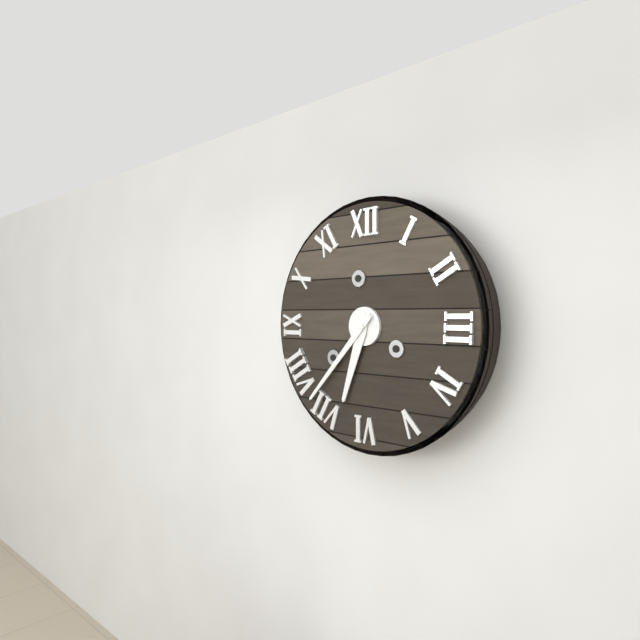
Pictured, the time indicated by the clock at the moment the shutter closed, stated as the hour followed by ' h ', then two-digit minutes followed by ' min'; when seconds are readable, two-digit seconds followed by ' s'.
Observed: 6 h 37 min
